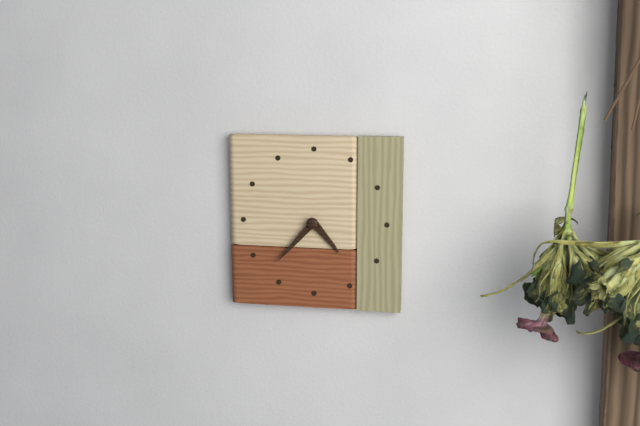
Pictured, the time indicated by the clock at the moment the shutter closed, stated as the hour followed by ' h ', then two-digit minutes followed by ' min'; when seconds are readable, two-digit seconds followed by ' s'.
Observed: 4 h 37 min
